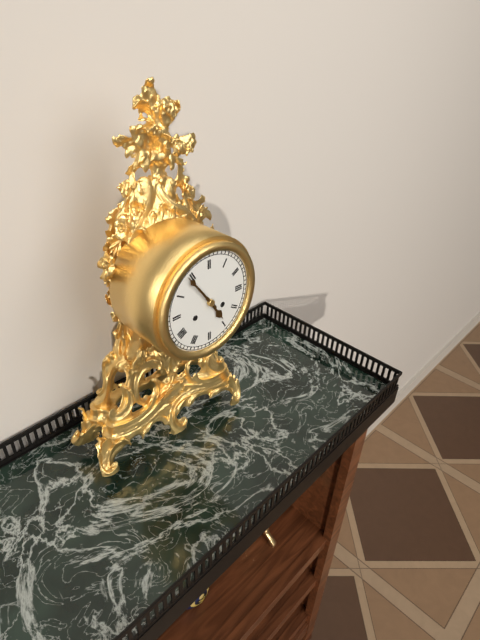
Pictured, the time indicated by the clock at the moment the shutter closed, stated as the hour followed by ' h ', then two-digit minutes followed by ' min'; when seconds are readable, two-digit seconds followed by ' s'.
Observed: 4 h 54 min
